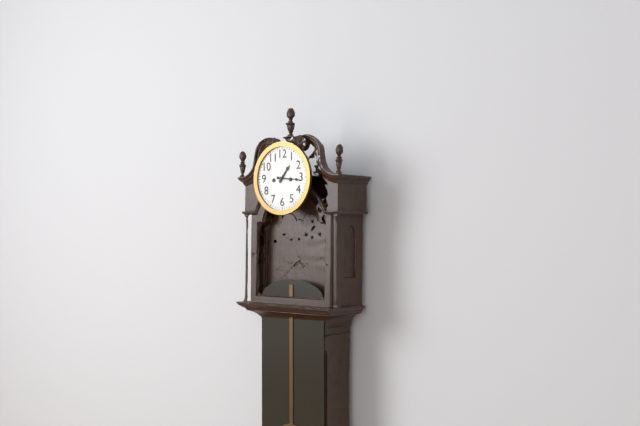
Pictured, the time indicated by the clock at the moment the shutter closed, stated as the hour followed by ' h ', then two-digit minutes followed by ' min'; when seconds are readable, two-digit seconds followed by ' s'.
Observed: 1 h 16 min
